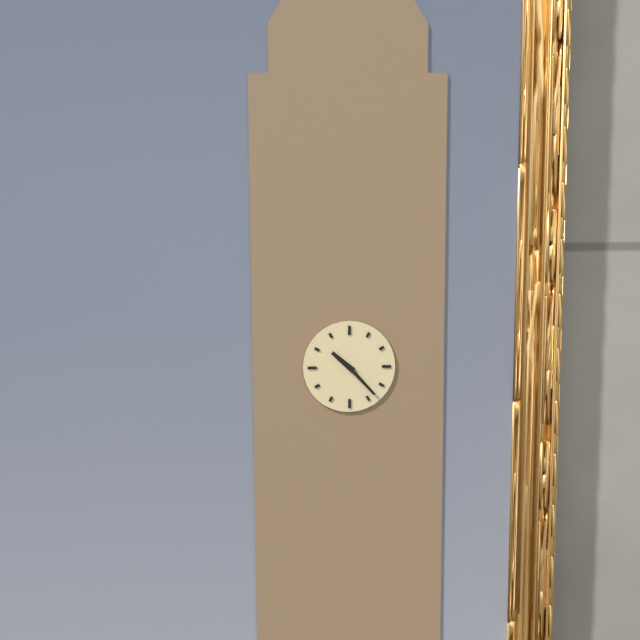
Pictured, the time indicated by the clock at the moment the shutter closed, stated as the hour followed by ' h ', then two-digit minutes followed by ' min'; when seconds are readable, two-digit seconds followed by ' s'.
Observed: 10 h 23 min
